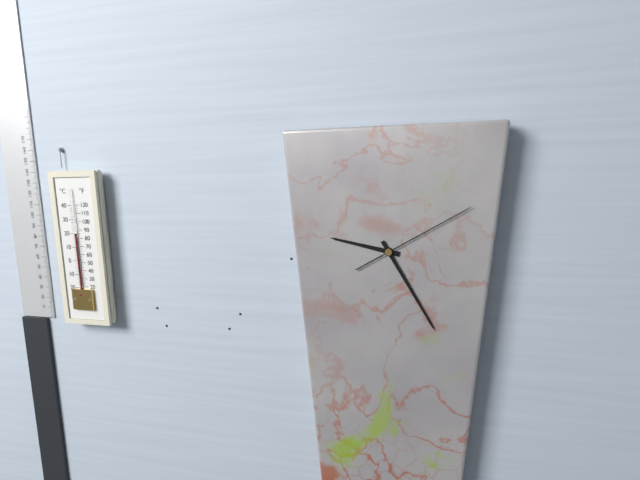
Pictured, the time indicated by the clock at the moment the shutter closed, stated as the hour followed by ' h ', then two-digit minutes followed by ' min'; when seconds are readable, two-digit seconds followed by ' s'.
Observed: 9 h 25 min 10 s
